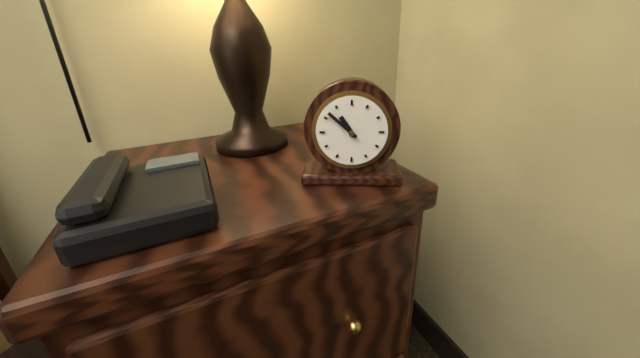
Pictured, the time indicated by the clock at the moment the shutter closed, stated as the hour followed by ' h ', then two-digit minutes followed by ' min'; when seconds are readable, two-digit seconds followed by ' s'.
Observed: 10 h 52 min
